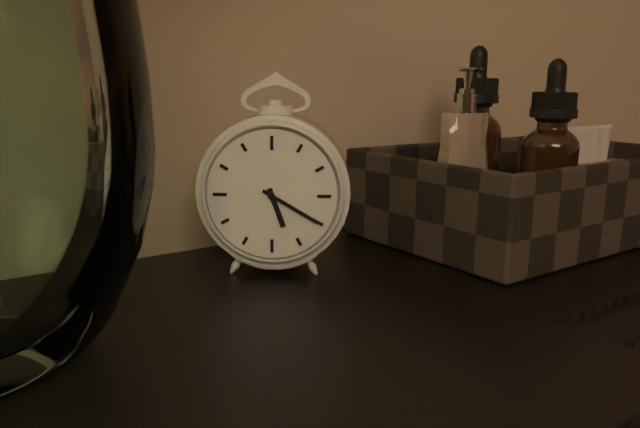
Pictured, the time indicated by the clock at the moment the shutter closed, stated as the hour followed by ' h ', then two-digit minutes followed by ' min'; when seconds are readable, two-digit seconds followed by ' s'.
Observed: 5 h 20 min
